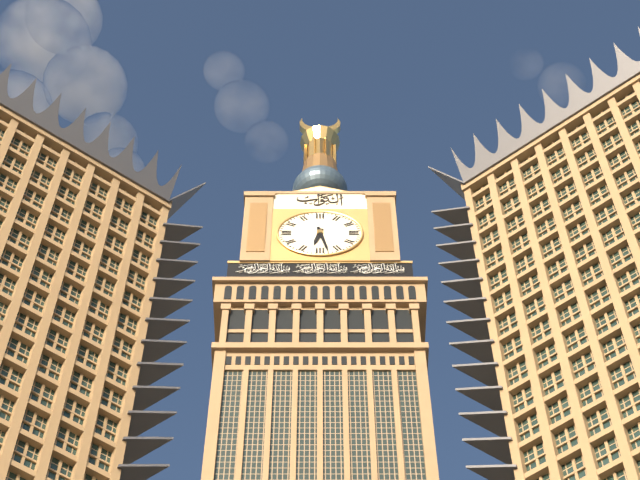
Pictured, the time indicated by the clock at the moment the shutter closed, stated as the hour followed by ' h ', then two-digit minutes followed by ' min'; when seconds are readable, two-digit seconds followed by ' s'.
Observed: 6 h 28 min
